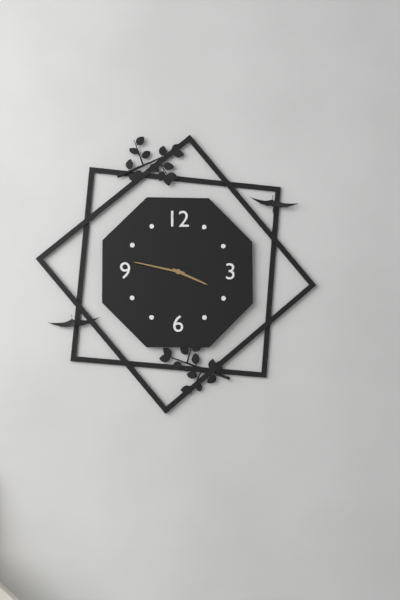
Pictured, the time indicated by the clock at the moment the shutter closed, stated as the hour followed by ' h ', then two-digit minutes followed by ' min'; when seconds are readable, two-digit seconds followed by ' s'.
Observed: 3 h 47 min
